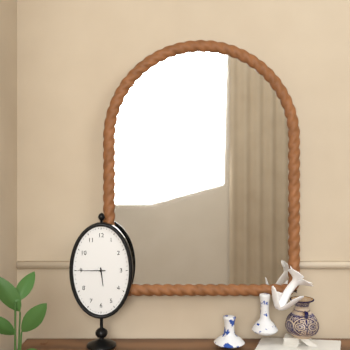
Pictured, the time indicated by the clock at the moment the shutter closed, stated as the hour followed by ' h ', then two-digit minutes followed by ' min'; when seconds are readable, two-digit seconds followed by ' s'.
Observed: 5 h 45 min
